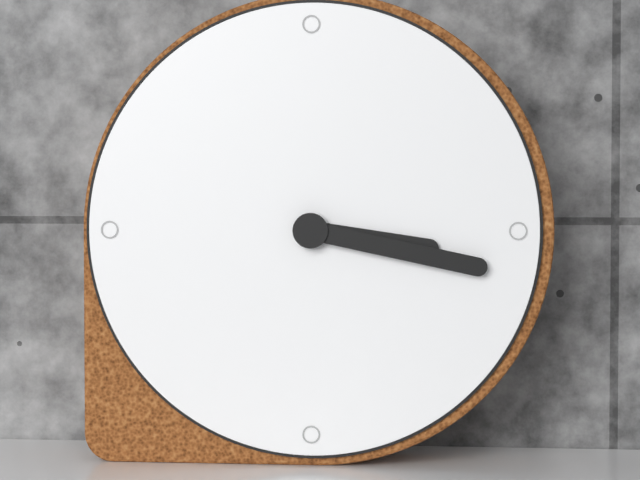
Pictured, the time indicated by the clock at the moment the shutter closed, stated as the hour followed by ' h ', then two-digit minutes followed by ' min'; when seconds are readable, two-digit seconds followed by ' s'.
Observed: 3 h 17 min
